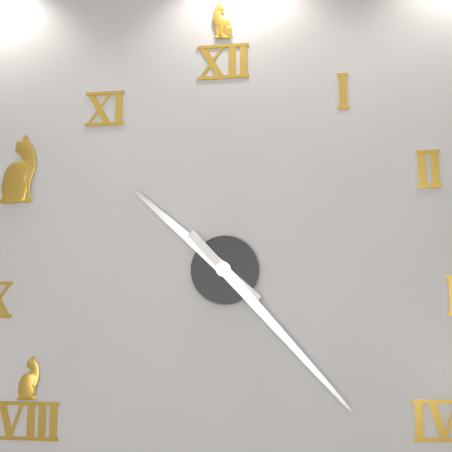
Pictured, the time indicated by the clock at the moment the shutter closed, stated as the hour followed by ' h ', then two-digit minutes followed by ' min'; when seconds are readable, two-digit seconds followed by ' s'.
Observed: 10 h 23 min
